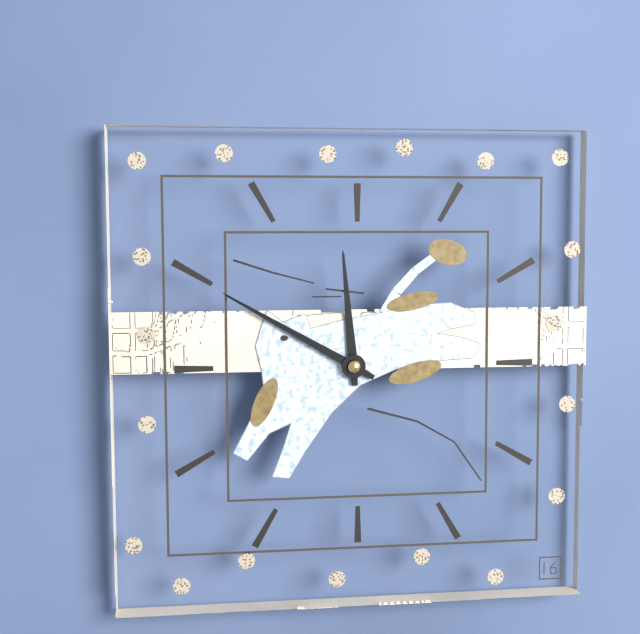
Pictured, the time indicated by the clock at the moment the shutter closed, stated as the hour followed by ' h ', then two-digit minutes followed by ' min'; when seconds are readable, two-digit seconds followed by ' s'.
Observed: 11 h 50 min
